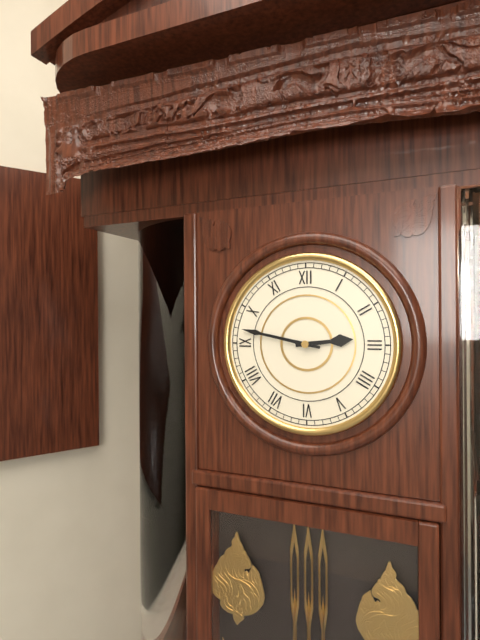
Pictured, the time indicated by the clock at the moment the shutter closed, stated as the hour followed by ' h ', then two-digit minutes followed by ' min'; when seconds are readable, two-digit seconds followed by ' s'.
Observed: 2 h 47 min
